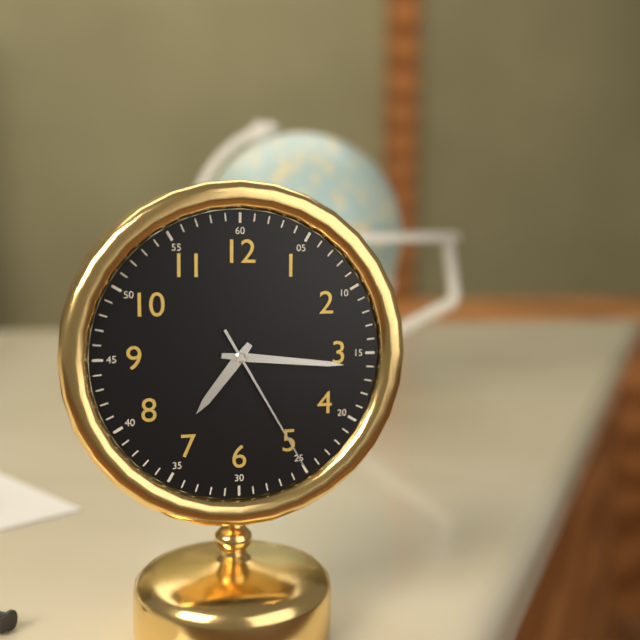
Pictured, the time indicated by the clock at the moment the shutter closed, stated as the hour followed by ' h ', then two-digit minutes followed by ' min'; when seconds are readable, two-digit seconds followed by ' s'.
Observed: 7 h 16 min 25 s
